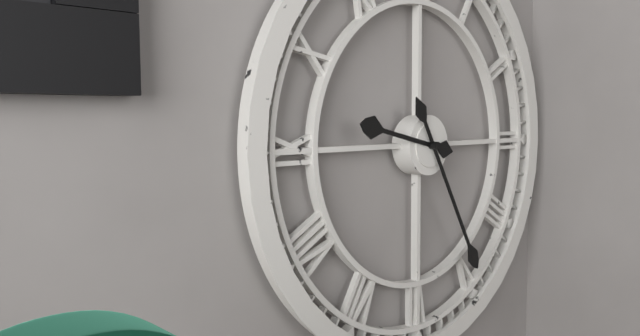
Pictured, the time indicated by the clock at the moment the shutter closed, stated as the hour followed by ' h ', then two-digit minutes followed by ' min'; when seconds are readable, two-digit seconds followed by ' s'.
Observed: 9 h 25 min
